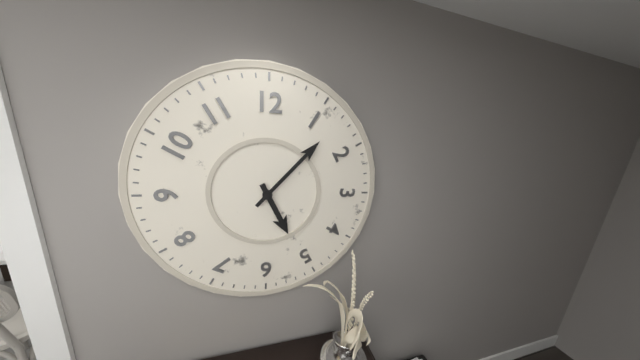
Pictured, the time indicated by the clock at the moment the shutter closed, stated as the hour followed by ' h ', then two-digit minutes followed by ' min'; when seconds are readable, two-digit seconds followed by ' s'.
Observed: 5 h 07 min
